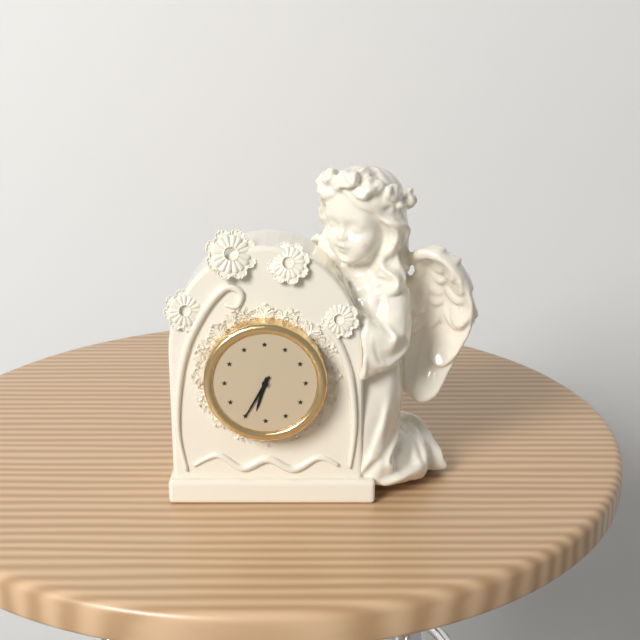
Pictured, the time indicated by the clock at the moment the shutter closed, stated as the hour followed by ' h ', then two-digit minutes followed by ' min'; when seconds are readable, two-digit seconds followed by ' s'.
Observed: 6 h 35 min
